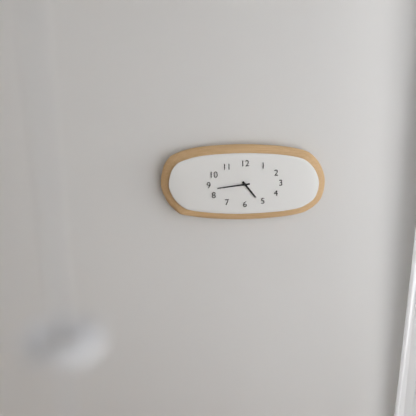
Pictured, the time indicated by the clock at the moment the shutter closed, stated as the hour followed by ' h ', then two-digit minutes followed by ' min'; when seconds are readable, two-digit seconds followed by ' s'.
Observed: 4 h 44 min
